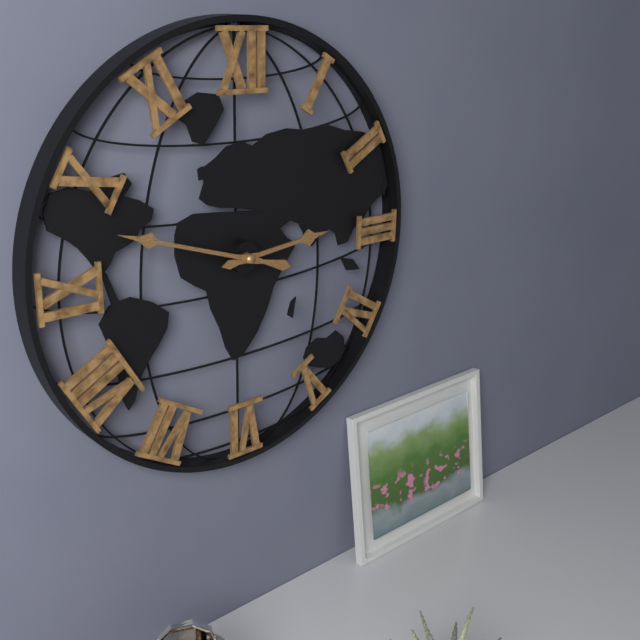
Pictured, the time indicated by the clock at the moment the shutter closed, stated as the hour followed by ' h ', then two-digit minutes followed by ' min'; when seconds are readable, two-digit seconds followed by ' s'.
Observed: 2 h 48 min
